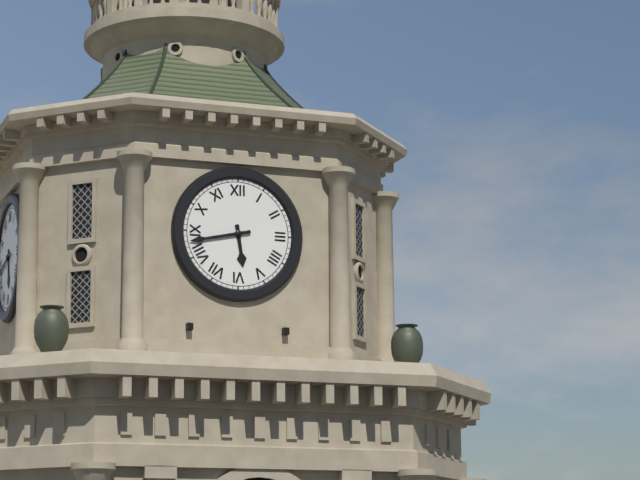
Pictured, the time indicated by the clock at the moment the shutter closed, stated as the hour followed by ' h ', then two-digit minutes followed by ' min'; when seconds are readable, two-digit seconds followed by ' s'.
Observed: 5 h 43 min
